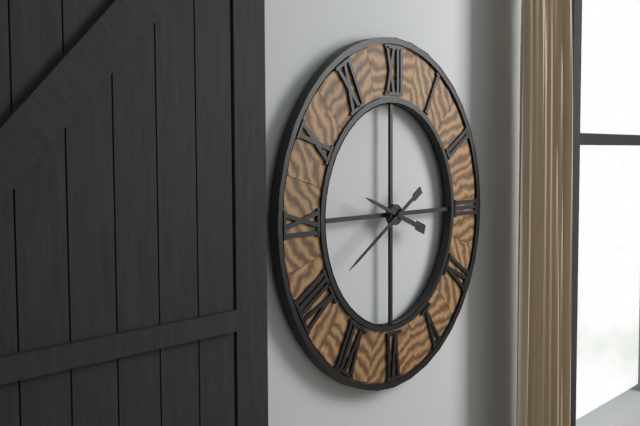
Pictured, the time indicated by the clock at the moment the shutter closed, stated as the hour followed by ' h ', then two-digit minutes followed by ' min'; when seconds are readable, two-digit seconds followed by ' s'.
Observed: 9 h 40 min
